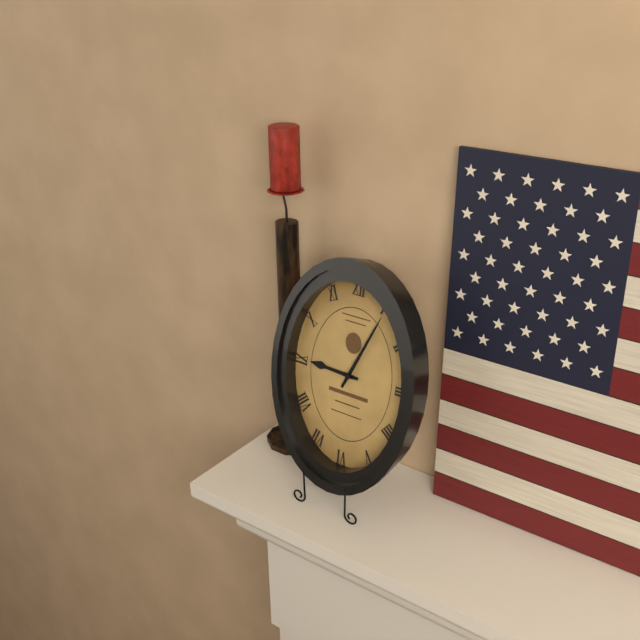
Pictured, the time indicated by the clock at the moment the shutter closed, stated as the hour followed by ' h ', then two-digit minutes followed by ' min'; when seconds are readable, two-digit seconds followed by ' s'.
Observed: 9 h 04 min
